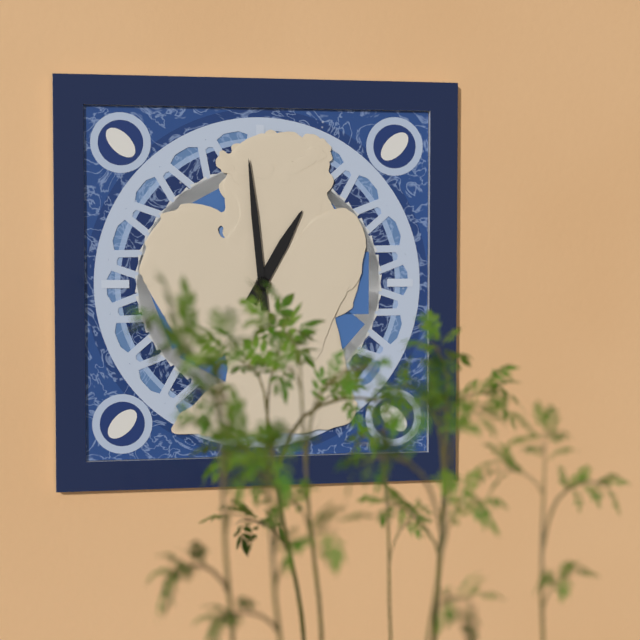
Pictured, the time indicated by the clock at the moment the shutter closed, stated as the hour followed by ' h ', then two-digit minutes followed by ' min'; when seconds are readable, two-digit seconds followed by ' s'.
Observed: 12 h 59 min
